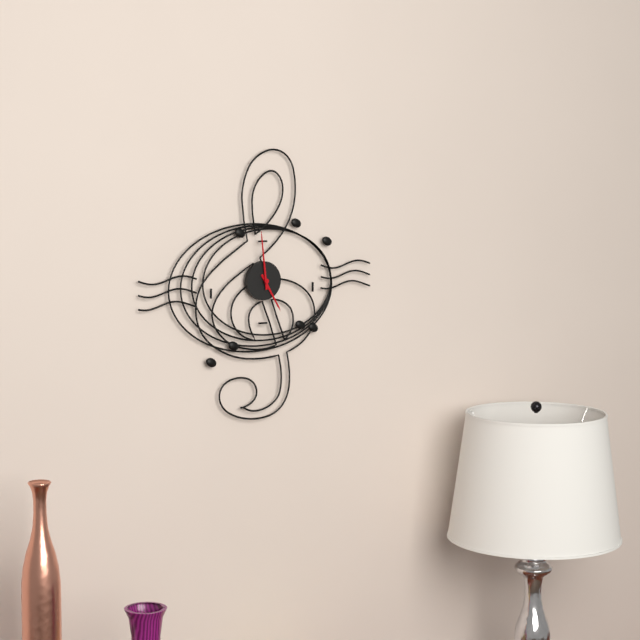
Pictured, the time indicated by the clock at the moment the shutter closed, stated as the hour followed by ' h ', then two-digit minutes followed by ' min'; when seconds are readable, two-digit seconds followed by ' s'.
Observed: 4 h 59 min
